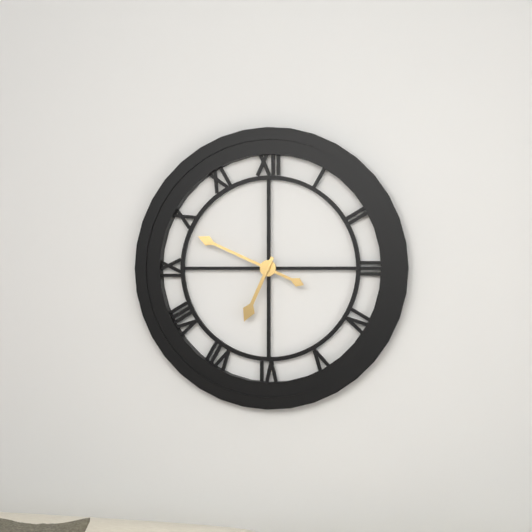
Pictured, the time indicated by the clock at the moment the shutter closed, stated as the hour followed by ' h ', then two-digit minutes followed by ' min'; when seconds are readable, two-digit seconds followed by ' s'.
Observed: 6 h 49 min
